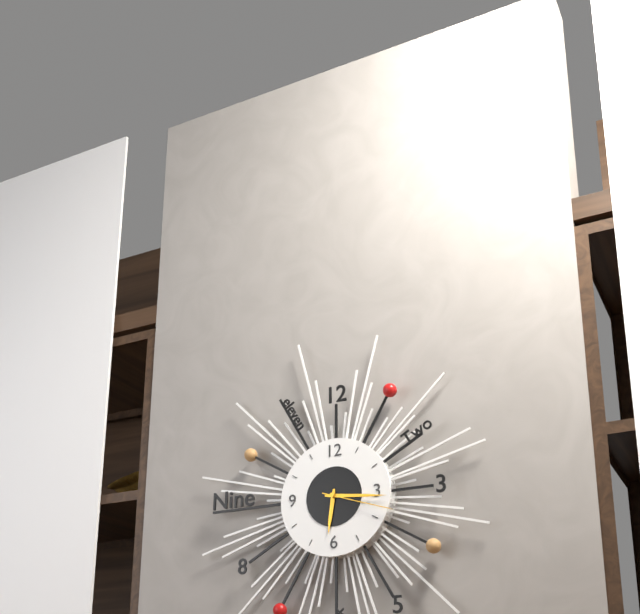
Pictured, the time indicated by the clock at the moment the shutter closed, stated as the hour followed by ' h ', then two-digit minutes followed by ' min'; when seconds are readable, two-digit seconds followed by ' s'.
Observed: 6 h 16 min 18 s
